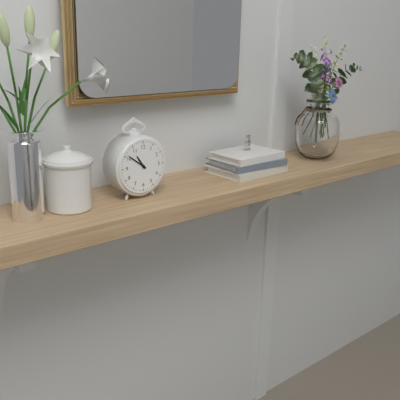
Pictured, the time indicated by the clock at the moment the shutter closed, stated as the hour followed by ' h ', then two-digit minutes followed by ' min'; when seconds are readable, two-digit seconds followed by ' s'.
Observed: 10 h 51 min
